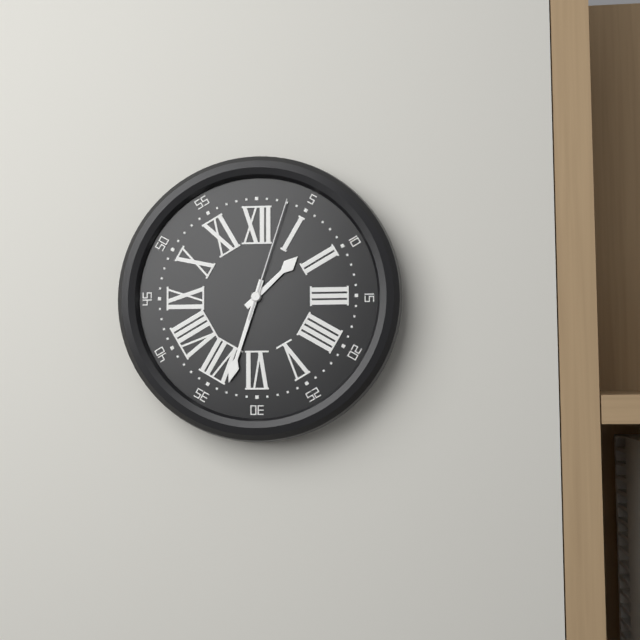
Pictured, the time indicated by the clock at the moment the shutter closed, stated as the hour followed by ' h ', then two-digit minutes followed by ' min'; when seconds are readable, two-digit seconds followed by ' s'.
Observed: 1 h 33 min 03 s
